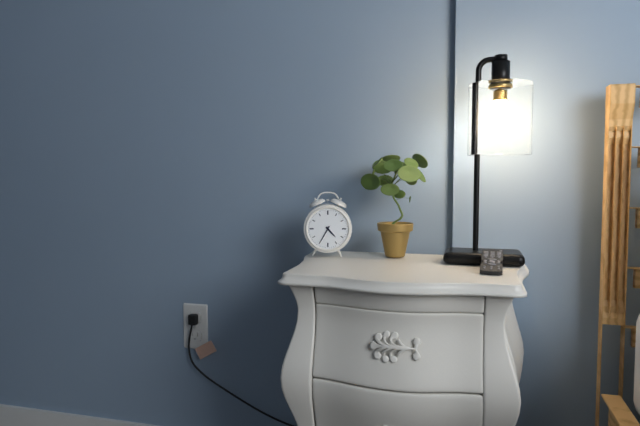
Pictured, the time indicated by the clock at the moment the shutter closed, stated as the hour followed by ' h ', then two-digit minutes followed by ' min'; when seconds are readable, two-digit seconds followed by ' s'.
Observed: 4 h 35 min
